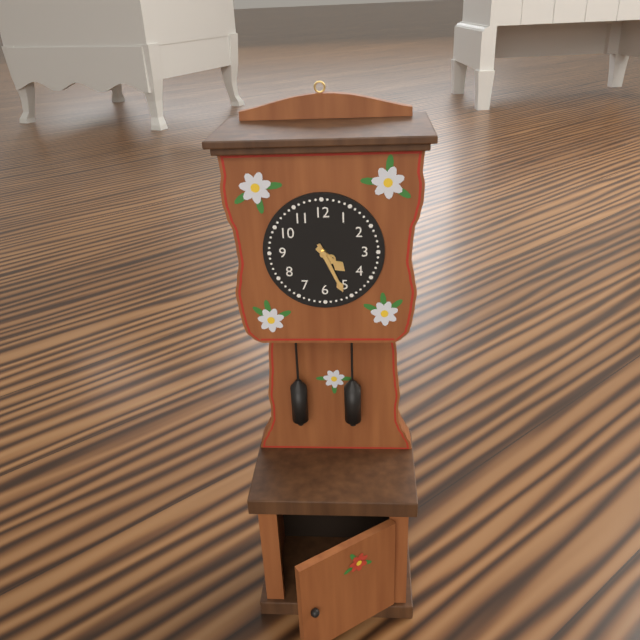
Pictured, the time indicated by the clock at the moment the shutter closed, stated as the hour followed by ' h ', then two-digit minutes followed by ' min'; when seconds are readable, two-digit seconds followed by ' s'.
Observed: 4 h 26 min
